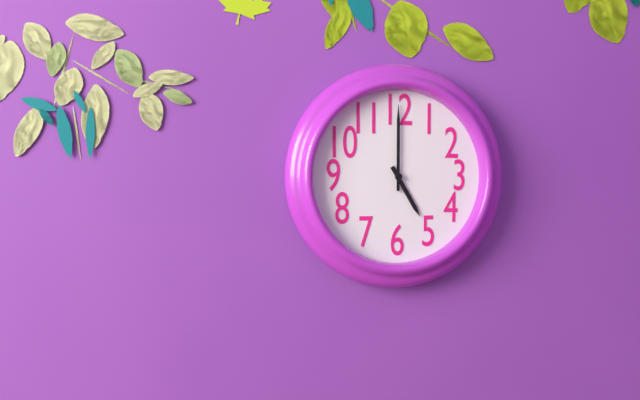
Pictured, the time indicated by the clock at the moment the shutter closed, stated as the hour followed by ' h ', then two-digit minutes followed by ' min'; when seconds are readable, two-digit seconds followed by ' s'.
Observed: 5 h 00 min
